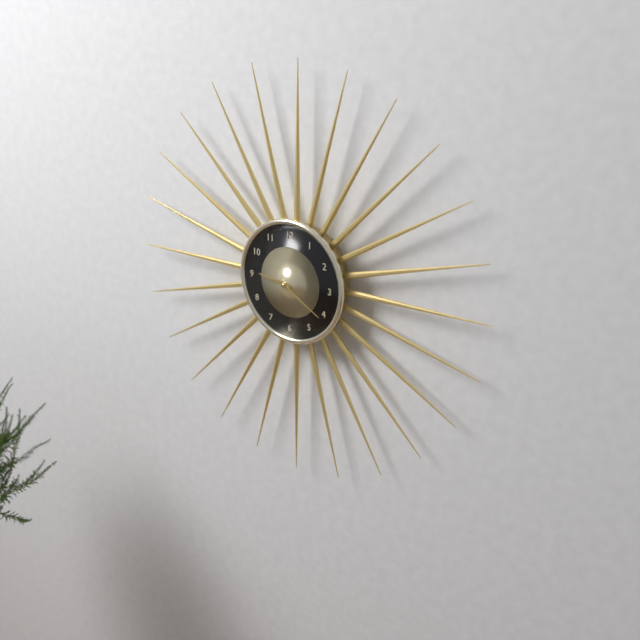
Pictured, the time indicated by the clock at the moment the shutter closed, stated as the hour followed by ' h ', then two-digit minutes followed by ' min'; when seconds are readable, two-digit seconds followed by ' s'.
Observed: 9 h 20 min
